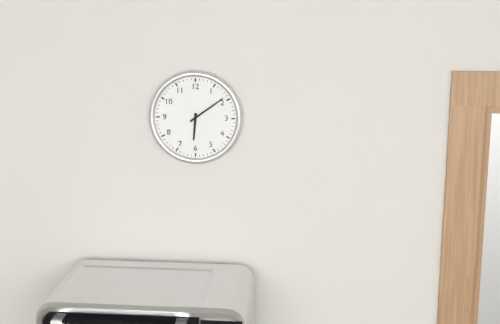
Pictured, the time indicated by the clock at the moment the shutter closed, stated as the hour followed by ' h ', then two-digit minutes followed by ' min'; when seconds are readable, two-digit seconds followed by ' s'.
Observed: 6 h 09 min
